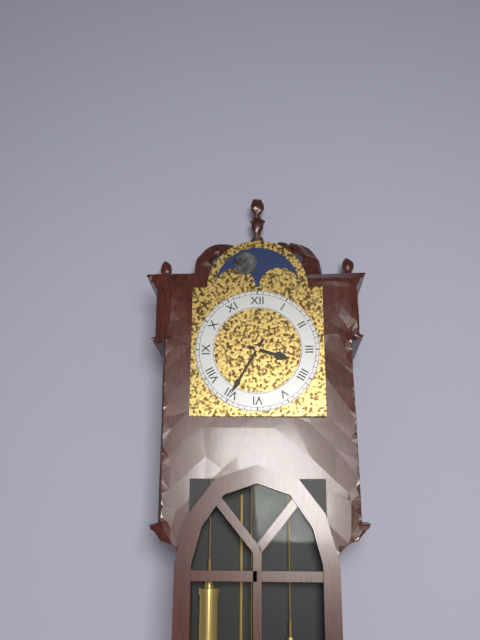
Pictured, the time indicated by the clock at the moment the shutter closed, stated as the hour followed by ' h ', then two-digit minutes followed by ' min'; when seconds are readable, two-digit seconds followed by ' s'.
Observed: 3 h 35 min
